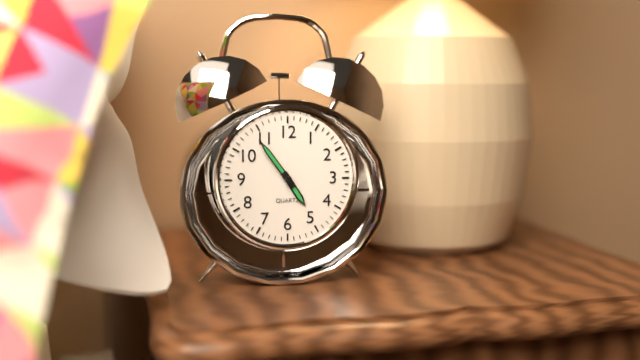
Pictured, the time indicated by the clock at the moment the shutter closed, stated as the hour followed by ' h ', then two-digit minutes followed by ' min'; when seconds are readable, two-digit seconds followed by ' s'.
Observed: 4 h 54 min
